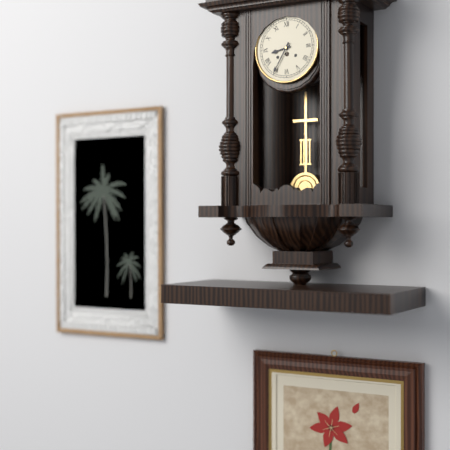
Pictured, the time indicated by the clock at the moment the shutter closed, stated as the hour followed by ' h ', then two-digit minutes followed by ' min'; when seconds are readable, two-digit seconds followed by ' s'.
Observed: 8 h 35 min
